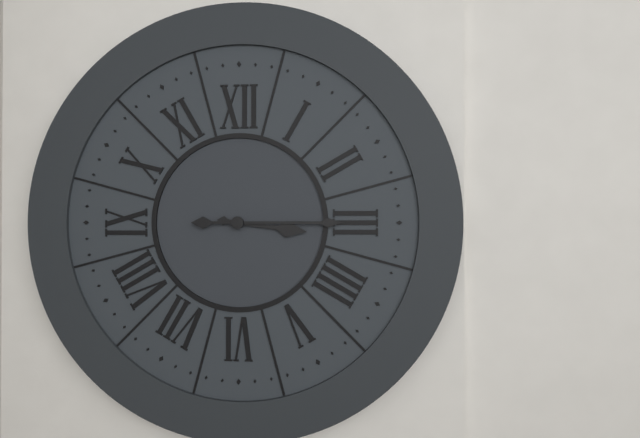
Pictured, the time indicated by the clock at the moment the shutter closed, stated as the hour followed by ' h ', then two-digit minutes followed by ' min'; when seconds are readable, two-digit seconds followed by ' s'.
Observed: 3 h 15 min
